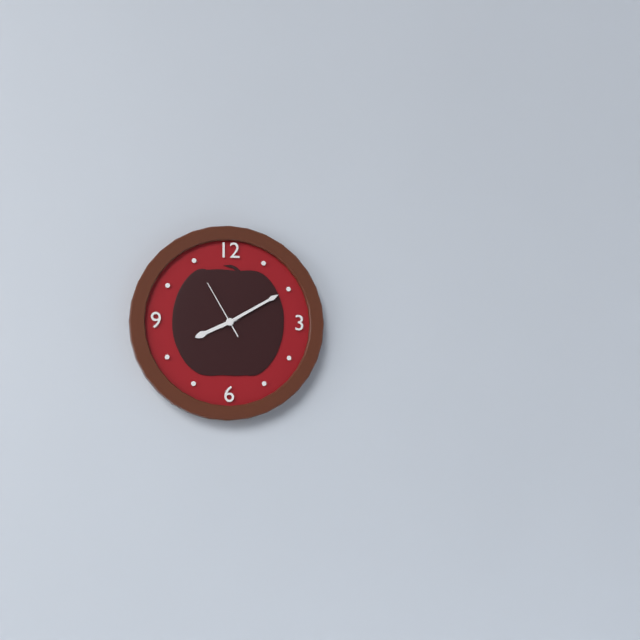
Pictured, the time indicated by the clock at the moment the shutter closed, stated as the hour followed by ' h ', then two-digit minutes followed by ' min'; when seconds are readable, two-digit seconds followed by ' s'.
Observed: 8 h 10 min 55 s
